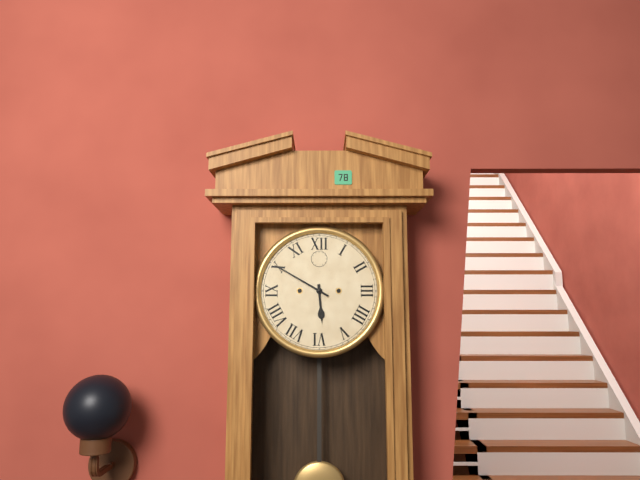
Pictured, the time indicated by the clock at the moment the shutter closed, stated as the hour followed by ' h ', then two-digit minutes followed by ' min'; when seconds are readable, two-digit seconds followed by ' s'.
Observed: 5 h 50 min
